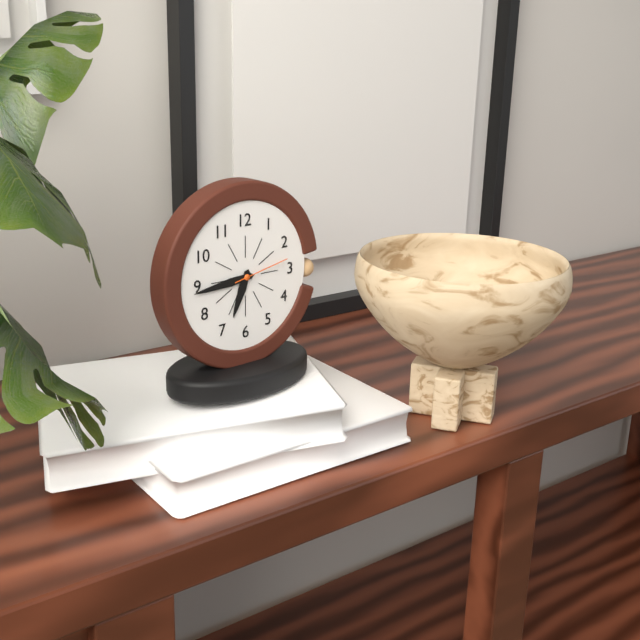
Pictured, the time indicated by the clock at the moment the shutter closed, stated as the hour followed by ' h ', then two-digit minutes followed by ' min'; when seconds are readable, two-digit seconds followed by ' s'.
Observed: 6 h 44 min 13 s
